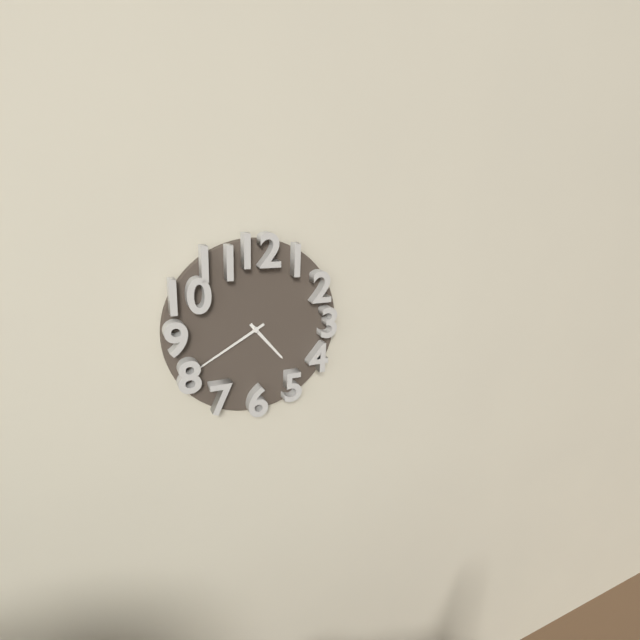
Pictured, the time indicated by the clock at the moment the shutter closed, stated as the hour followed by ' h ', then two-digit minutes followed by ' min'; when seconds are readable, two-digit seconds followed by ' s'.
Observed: 4 h 40 min
